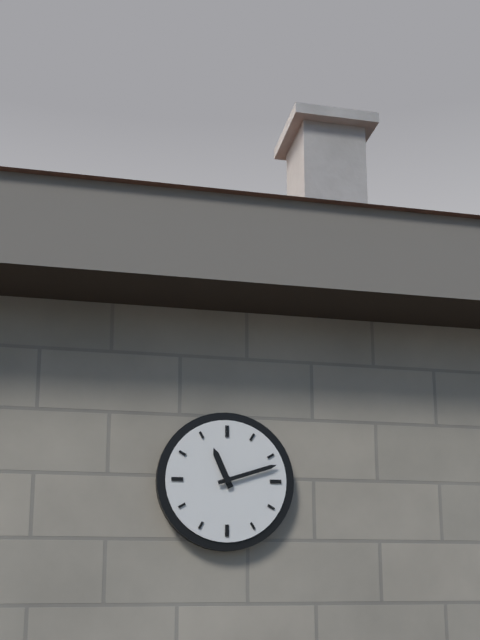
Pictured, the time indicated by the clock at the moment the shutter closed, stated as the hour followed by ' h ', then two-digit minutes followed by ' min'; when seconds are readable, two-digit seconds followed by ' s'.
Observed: 11 h 12 min
